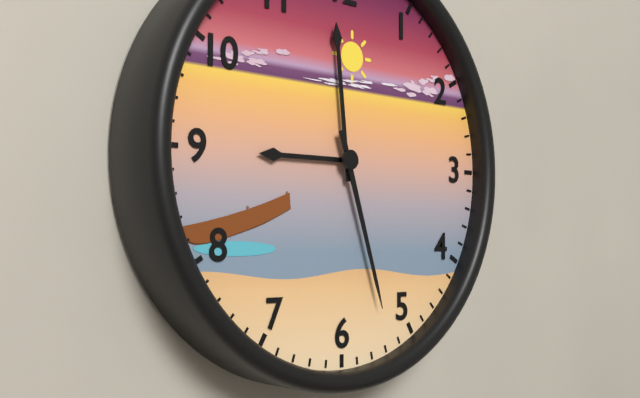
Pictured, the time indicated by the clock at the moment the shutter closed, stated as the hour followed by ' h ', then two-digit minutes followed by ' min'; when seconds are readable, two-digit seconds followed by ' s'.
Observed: 8 h 59 min 27 s
